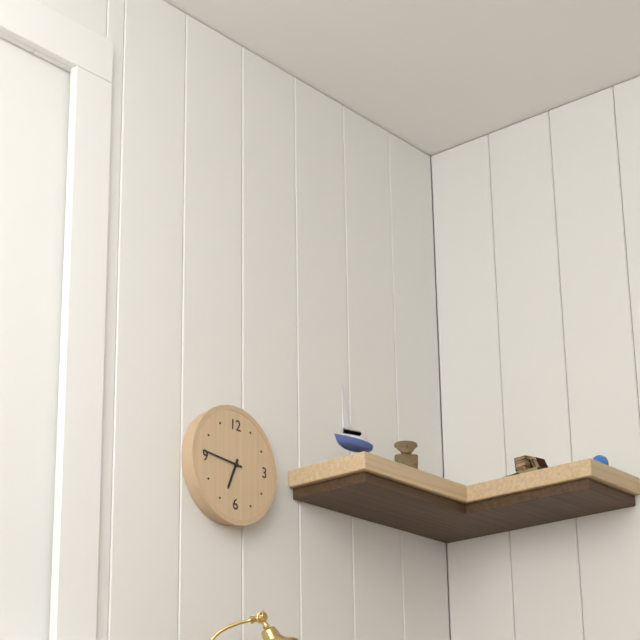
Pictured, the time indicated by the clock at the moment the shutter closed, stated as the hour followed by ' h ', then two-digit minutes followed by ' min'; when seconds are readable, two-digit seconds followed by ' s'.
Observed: 6 h 46 min
